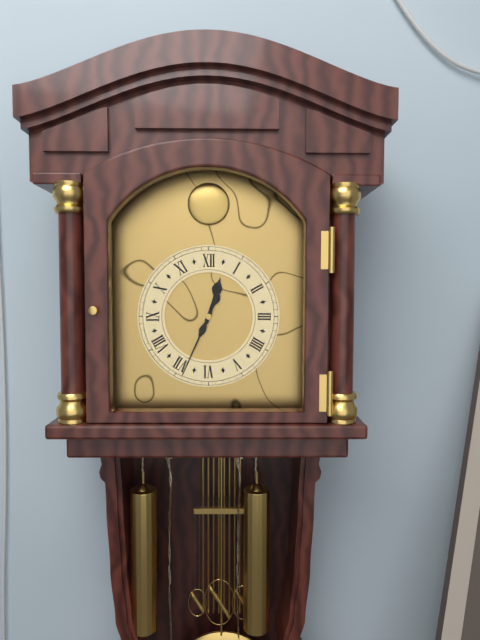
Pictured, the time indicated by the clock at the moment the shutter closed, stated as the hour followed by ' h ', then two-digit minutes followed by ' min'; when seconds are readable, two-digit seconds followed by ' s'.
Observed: 12 h 34 min
